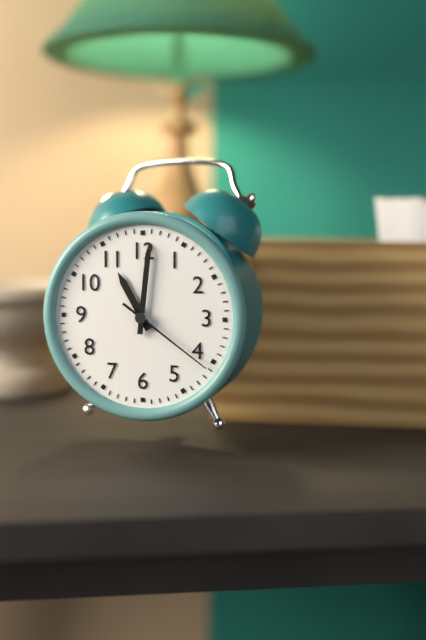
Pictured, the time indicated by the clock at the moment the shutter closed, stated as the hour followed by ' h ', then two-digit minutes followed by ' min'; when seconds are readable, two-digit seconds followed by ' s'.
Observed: 11 h 01 min 21 s
